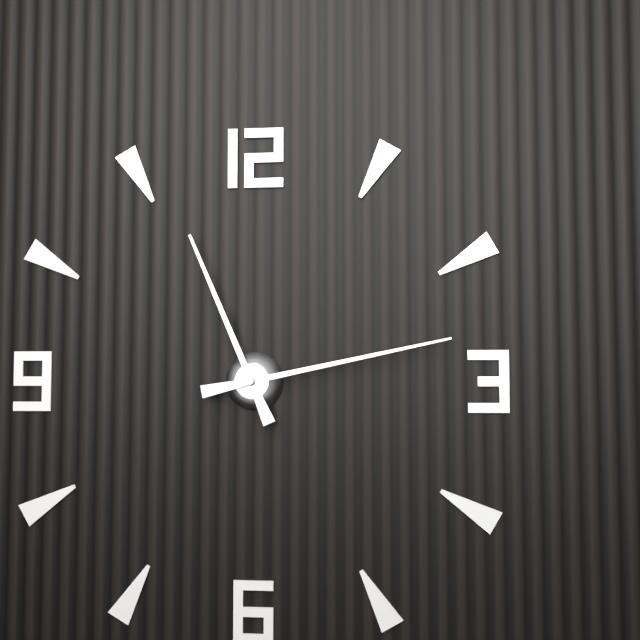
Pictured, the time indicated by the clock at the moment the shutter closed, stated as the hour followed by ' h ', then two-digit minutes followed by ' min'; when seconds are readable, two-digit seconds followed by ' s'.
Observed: 11 h 13 min
